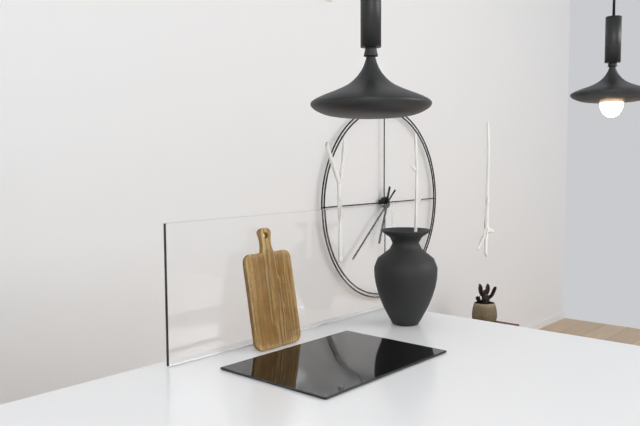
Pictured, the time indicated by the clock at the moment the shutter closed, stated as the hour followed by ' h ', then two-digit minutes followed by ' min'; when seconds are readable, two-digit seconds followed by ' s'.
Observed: 6 h 38 min
